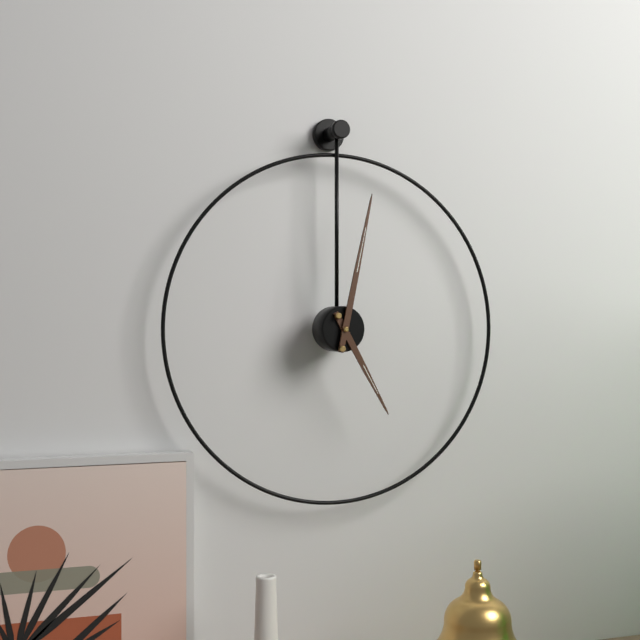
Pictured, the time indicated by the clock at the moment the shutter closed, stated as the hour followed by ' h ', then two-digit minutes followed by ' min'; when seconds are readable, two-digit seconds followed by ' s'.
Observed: 5 h 02 min
